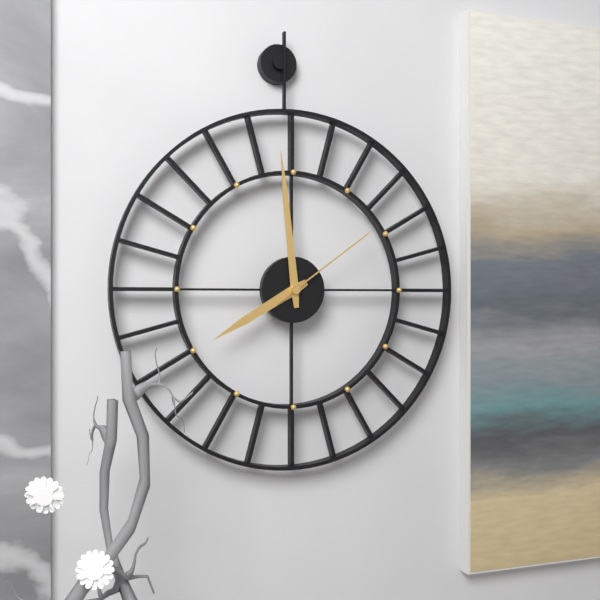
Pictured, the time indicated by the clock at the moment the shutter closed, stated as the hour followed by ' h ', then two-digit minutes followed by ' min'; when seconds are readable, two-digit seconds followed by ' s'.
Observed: 7 h 59 min 09 s
